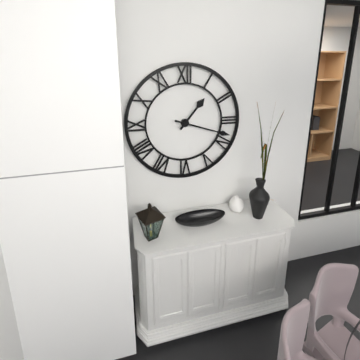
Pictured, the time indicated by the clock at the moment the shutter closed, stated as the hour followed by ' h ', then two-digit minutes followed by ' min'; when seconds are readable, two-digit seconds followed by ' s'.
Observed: 1 h 18 min
